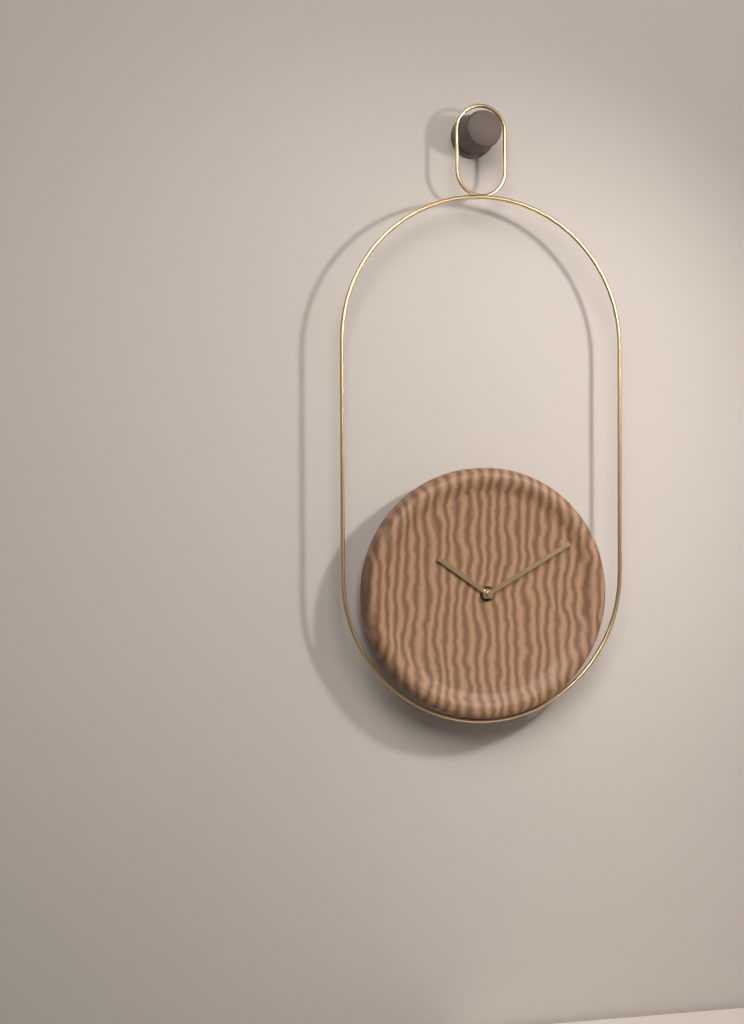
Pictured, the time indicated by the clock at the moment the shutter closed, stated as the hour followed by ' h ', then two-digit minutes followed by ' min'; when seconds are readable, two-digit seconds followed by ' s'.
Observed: 10 h 10 min
